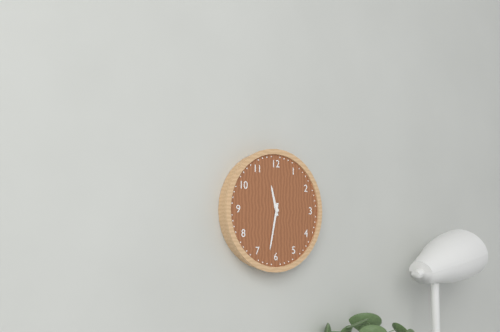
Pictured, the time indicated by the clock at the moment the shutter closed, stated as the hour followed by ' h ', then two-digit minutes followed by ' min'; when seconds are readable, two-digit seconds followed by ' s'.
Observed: 11 h 32 min
